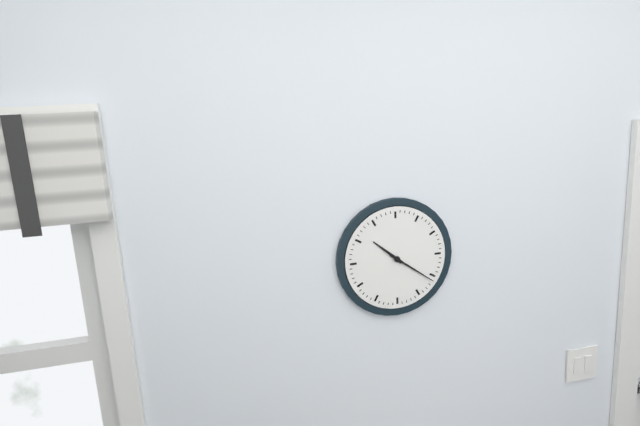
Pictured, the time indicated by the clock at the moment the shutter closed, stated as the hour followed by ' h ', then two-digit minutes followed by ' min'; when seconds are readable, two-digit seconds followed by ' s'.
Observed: 10 h 21 min
